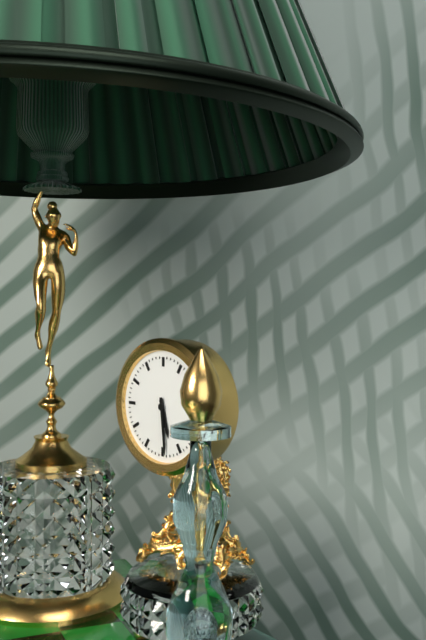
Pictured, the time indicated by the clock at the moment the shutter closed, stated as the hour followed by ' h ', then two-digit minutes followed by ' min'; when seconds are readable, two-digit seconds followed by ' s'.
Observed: 5 h 29 min
